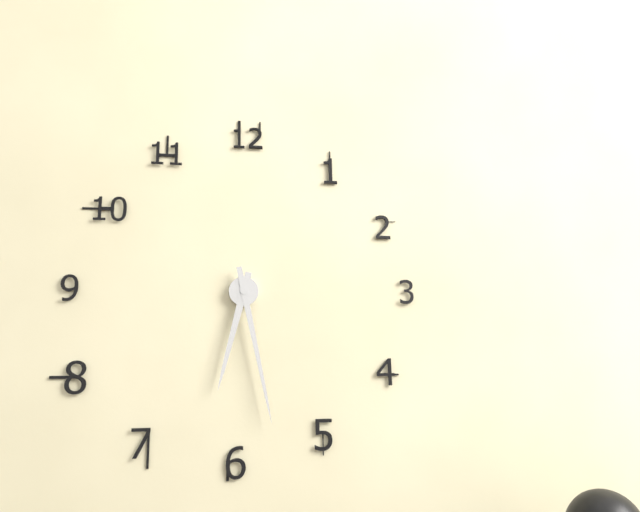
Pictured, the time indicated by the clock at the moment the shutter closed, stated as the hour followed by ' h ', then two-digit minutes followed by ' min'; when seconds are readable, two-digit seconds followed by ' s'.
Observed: 6 h 28 min
